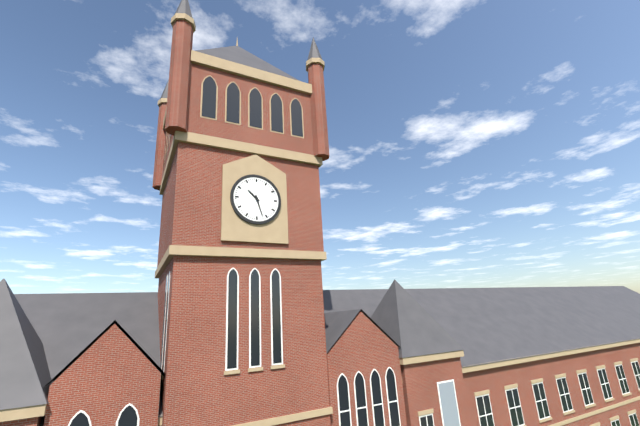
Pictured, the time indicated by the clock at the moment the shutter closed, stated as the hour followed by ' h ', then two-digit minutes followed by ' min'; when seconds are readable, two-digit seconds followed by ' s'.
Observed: 10 h 27 min
